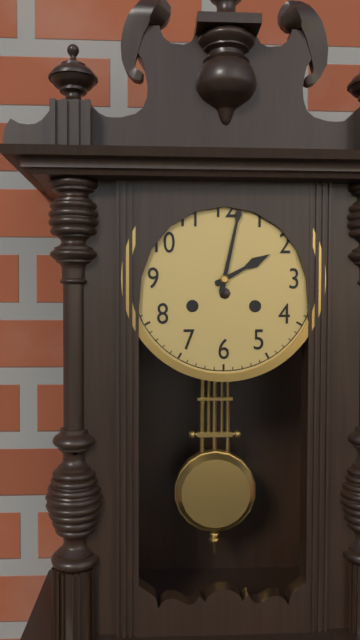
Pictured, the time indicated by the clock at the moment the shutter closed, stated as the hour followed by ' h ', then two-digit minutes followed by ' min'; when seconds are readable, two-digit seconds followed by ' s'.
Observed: 2 h 02 min
